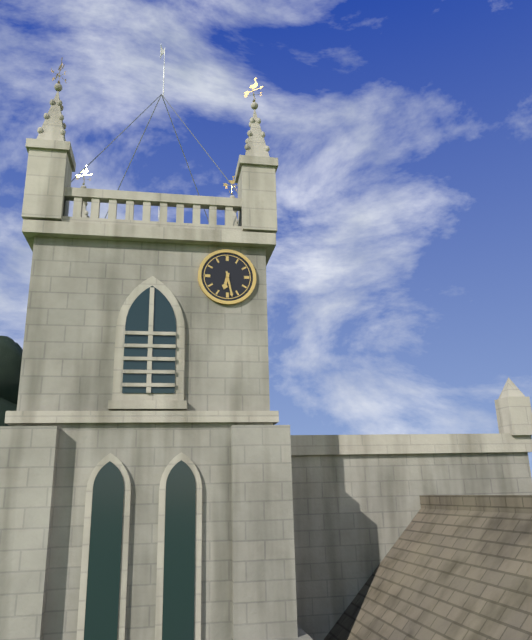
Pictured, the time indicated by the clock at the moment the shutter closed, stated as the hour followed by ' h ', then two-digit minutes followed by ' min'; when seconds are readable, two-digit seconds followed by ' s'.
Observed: 6 h 28 min
